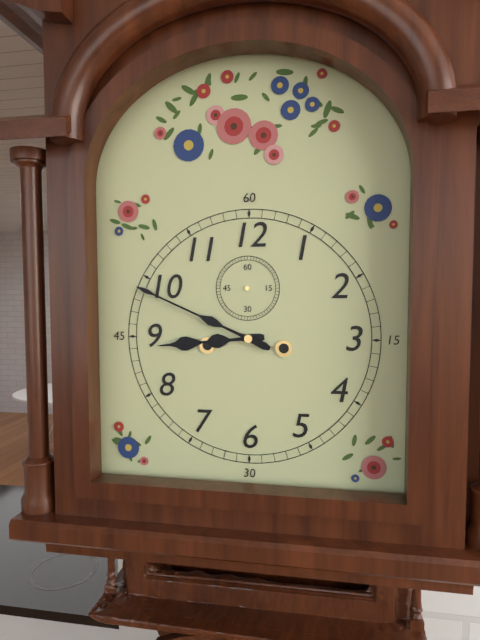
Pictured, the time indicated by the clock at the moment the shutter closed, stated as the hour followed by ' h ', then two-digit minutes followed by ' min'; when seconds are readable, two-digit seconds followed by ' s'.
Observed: 8 h 49 min
